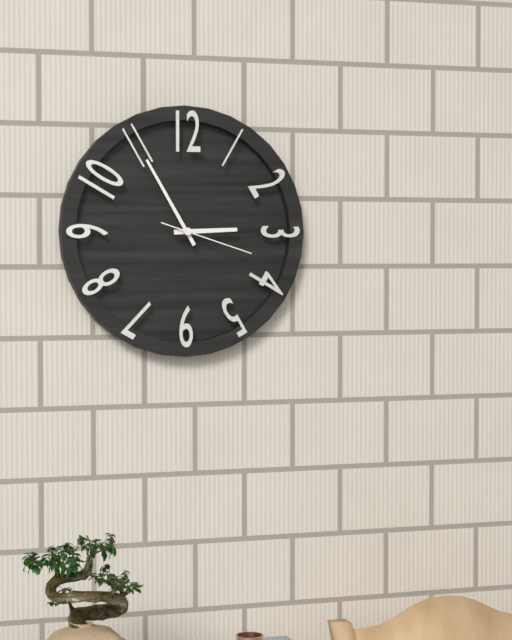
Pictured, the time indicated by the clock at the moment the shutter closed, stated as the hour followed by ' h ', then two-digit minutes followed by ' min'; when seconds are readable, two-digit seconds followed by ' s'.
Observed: 2 h 55 min 18 s
